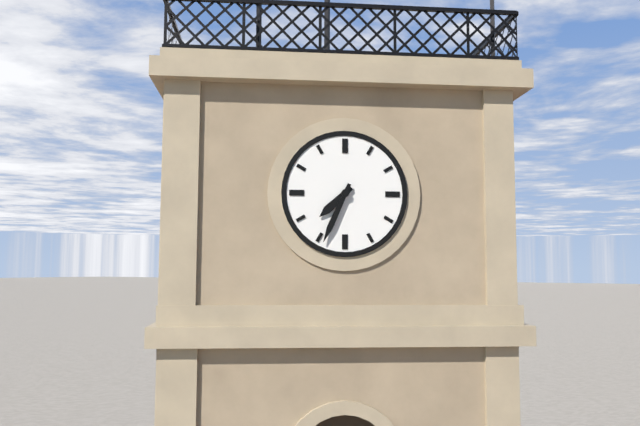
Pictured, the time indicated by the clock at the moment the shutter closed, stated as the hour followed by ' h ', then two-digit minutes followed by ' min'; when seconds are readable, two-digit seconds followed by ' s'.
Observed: 7 h 34 min
